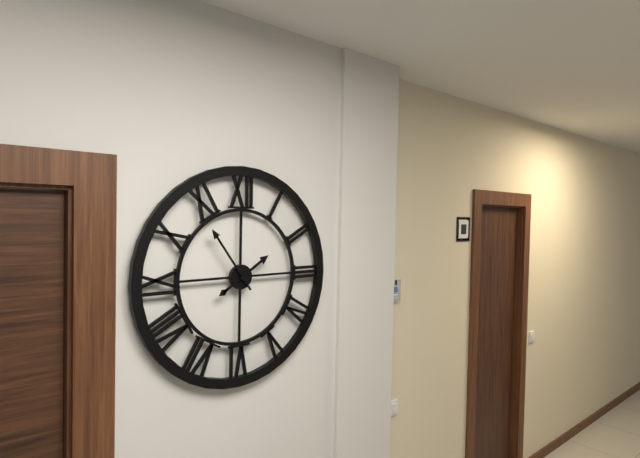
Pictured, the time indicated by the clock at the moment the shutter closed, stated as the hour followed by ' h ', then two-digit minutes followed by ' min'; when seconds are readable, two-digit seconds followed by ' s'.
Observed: 1 h 54 min
